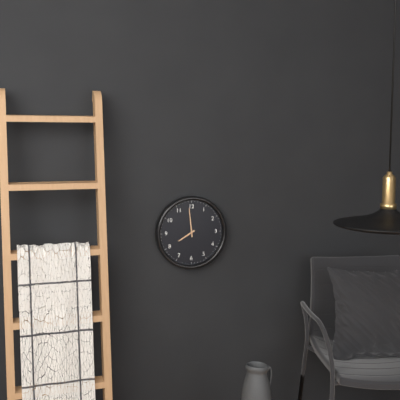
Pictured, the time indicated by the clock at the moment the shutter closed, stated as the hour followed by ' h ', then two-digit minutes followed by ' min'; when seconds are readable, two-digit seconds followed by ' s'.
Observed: 7 h 59 min
